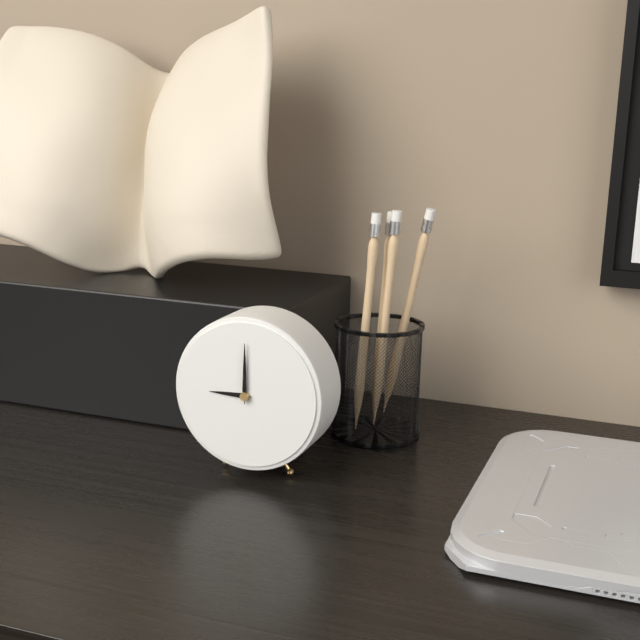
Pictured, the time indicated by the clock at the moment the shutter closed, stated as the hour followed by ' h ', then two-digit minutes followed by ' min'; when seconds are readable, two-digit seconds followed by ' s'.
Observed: 9 h 00 min
